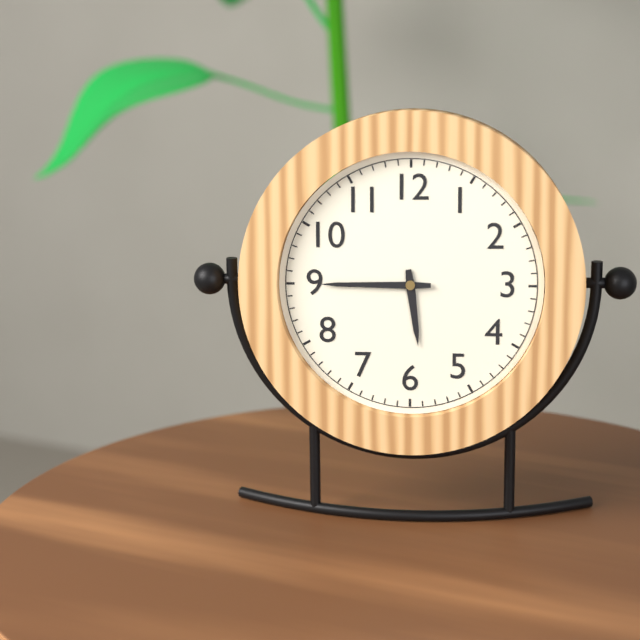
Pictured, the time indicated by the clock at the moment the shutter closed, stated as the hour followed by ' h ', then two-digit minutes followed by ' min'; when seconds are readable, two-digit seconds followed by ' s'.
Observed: 5 h 45 min
